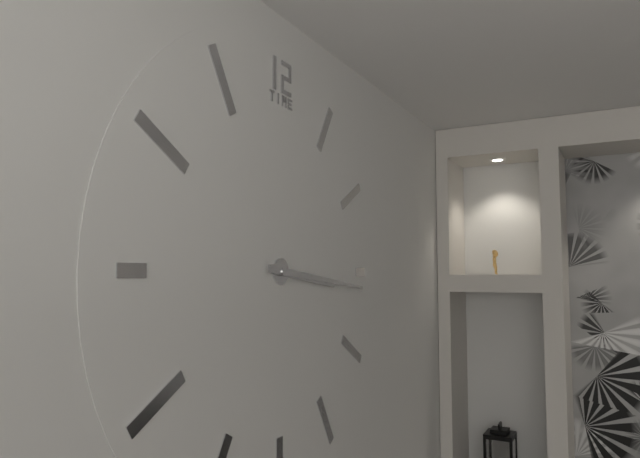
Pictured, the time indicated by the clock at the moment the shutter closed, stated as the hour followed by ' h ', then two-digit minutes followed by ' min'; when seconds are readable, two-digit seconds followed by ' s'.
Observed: 3 h 16 min
